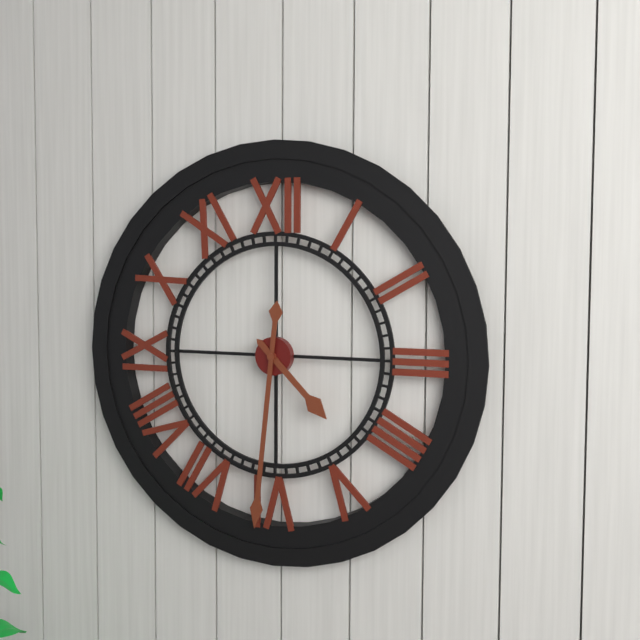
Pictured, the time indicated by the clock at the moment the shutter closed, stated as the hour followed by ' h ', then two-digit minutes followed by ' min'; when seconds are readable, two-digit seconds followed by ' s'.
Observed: 4 h 31 min
